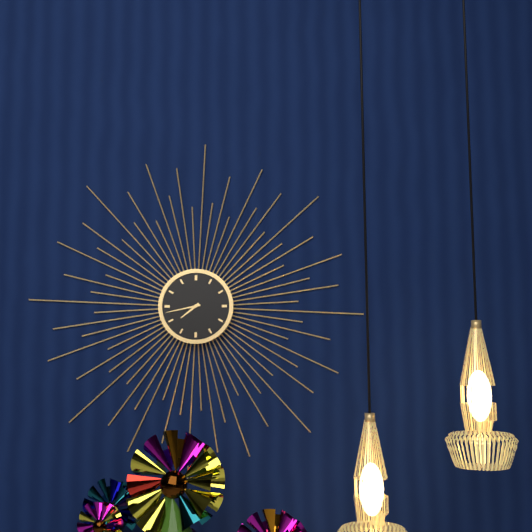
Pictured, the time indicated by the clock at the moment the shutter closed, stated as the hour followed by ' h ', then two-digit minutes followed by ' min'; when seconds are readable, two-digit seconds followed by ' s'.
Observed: 7 h 43 min
